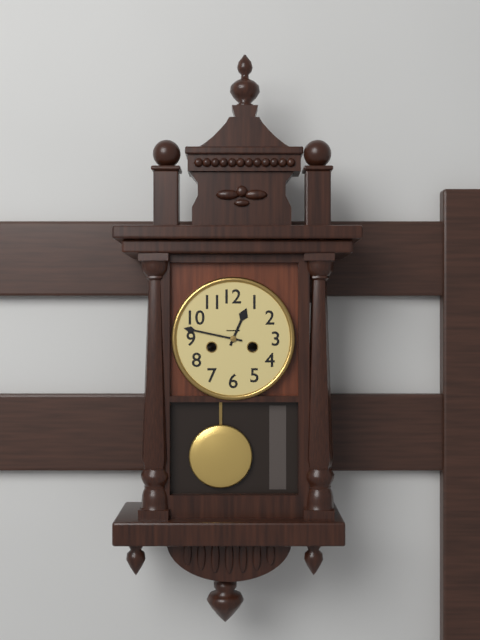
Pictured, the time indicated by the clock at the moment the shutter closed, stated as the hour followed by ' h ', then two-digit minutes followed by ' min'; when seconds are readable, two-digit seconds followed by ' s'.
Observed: 12 h 47 min
